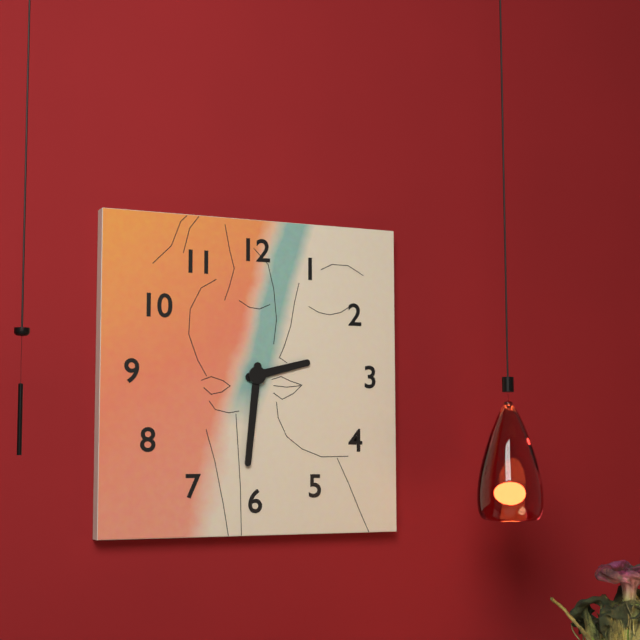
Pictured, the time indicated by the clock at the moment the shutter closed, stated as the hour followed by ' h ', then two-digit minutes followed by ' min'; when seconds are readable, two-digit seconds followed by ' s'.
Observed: 2 h 31 min
